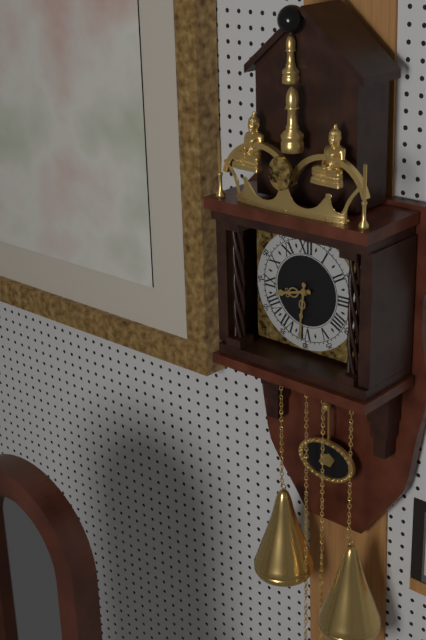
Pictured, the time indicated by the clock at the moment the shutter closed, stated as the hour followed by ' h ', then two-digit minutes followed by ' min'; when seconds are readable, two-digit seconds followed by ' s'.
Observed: 8 h 31 min
